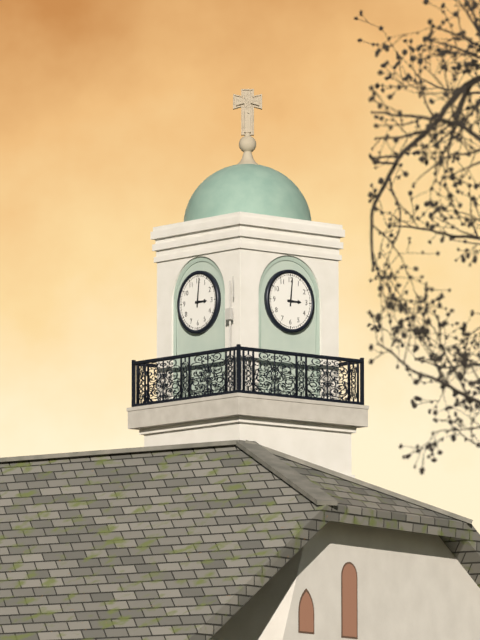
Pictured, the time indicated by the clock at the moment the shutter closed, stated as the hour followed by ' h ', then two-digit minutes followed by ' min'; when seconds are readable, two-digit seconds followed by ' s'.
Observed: 3 h 01 min
